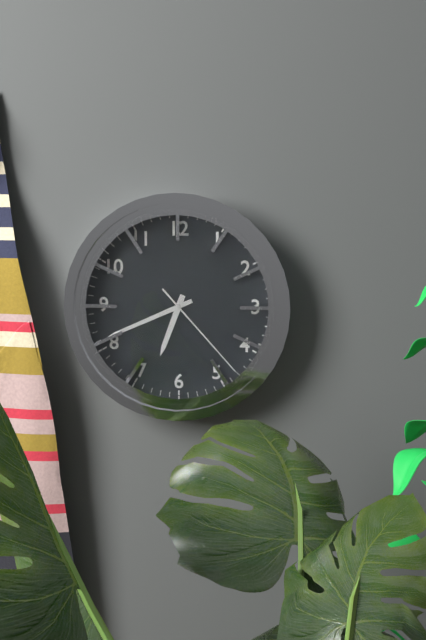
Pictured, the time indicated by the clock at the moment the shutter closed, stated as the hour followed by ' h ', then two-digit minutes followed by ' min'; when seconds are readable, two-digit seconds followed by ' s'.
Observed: 6 h 41 min 23 s
